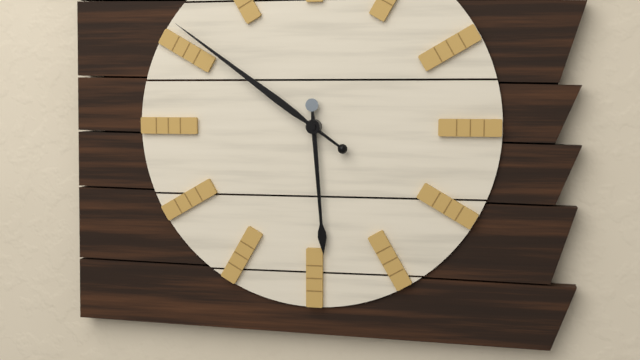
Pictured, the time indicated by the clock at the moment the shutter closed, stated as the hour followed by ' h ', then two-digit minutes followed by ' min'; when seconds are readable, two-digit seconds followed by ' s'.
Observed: 5 h 51 min
